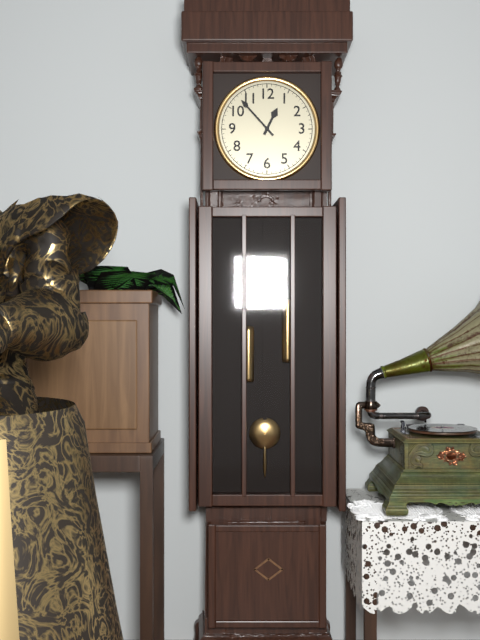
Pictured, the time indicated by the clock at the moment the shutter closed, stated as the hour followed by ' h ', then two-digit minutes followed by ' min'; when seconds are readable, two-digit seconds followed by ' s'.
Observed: 12 h 53 min
